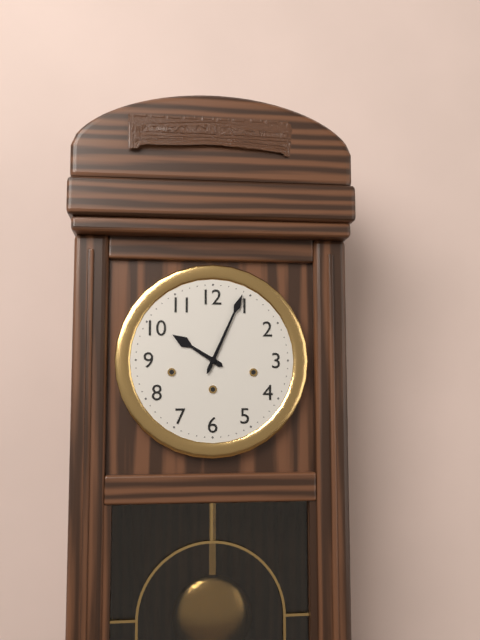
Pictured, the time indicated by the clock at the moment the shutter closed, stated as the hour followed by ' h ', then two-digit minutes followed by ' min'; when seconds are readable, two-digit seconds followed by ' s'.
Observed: 10 h 04 min
